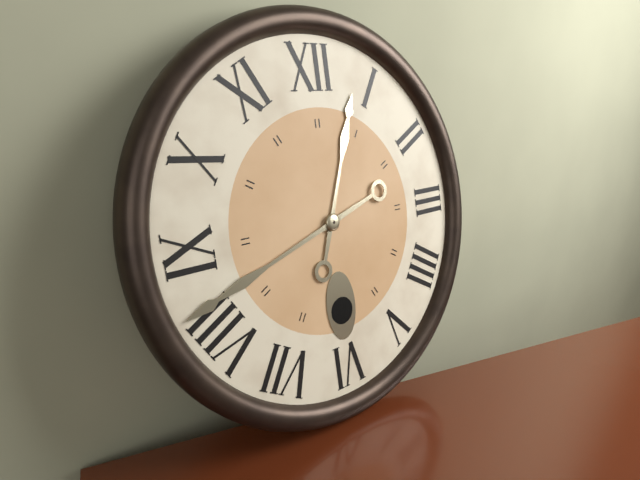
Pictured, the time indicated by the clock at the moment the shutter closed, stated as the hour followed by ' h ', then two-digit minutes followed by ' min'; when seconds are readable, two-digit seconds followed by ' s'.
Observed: 12 h 42 min
